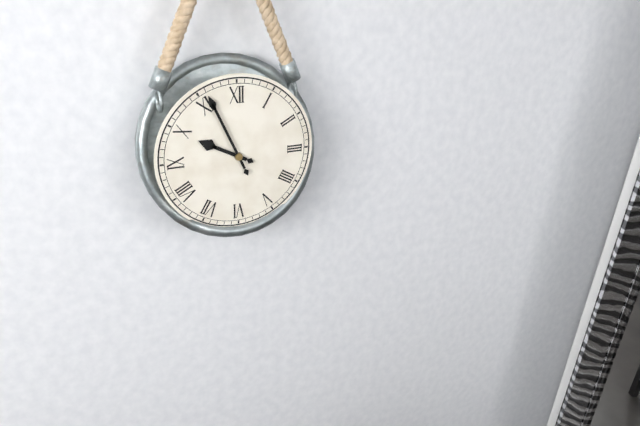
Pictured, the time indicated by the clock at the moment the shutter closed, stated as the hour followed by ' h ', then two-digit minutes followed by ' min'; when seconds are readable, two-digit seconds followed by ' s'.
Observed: 9 h 56 min
